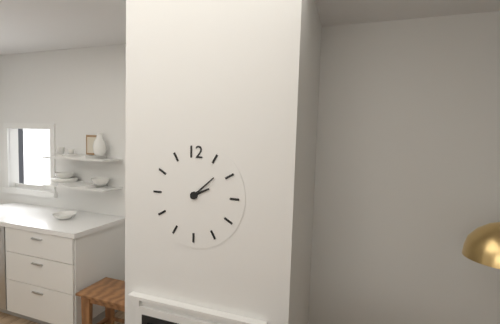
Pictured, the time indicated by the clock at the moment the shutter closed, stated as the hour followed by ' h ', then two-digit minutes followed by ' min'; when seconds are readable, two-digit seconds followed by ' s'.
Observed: 2 h 08 min
